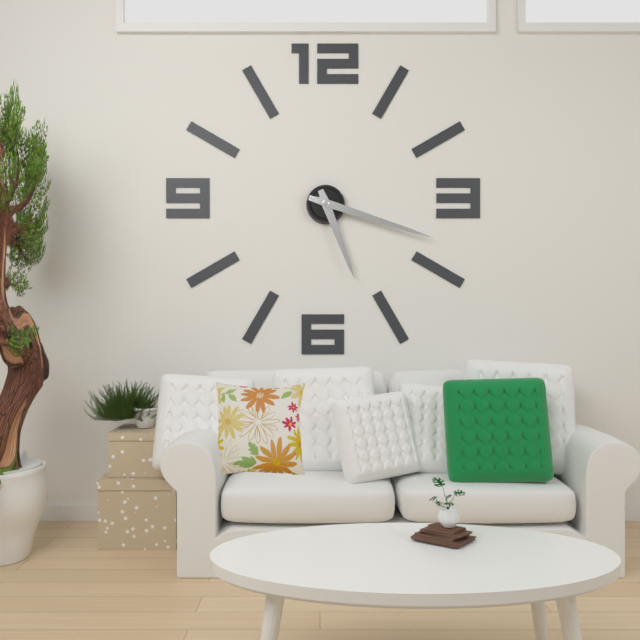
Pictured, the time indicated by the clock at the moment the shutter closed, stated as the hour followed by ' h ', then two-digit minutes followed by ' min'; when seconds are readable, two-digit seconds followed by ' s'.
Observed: 5 h 18 min
